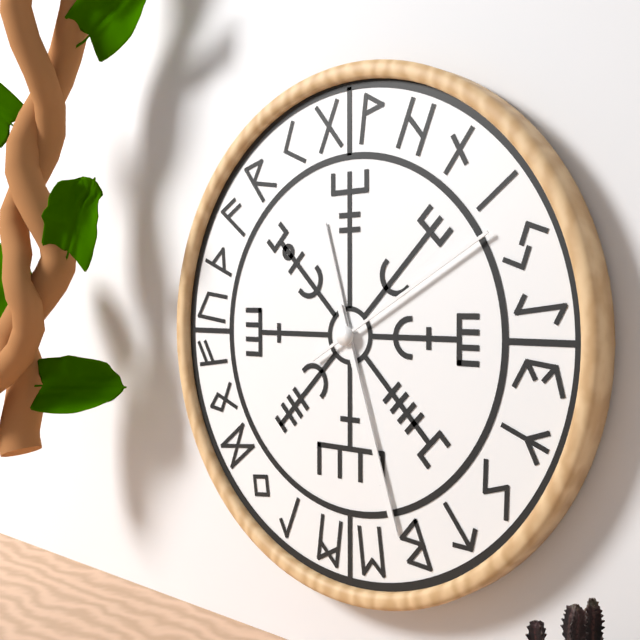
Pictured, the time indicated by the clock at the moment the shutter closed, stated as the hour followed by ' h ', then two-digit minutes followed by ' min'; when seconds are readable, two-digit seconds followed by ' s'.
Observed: 11 h 27 min 10 s
